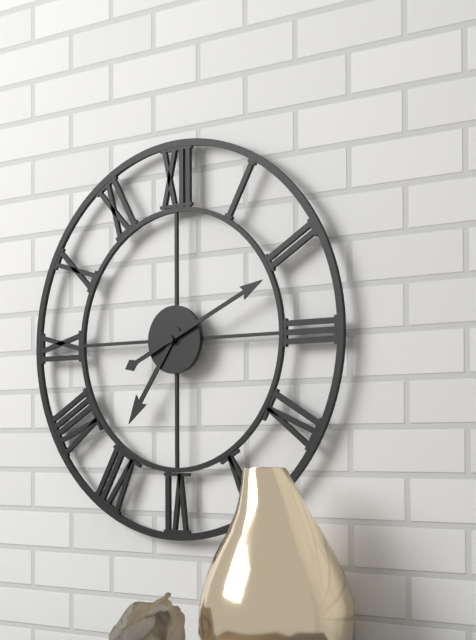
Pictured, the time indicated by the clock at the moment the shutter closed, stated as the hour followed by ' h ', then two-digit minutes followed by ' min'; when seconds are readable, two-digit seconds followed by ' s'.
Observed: 7 h 11 min
